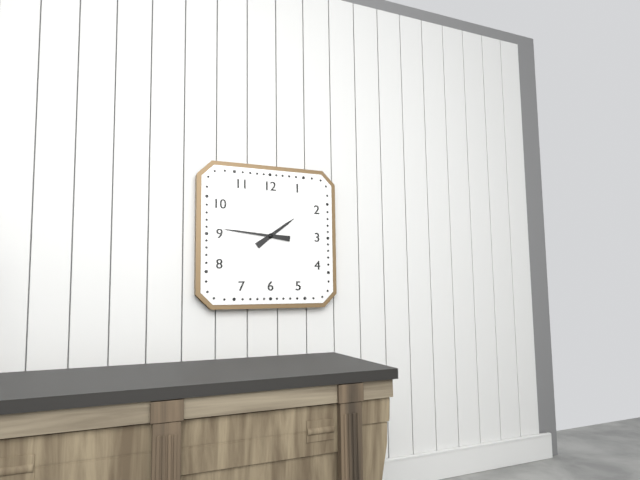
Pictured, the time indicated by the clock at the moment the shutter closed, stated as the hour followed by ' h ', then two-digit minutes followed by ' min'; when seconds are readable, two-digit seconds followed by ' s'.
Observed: 1 h 46 min
